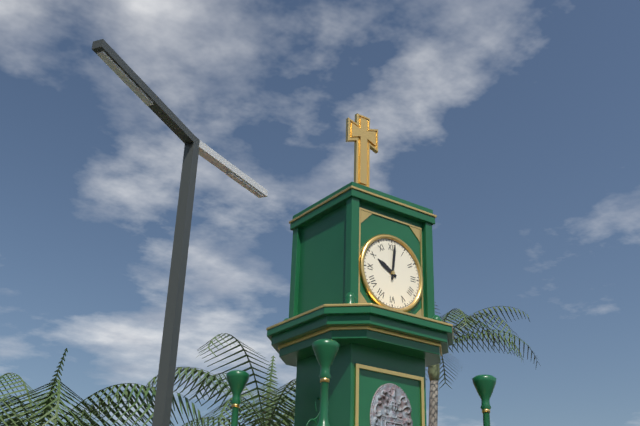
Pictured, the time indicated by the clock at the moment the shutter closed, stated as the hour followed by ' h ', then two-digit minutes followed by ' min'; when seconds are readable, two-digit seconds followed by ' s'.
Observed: 10 h 01 min
